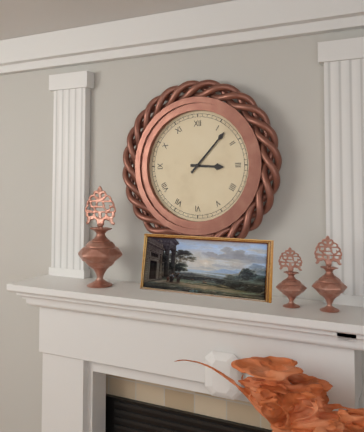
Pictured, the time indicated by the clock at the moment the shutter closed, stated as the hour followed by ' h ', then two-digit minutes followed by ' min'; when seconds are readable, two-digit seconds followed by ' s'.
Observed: 3 h 07 min
